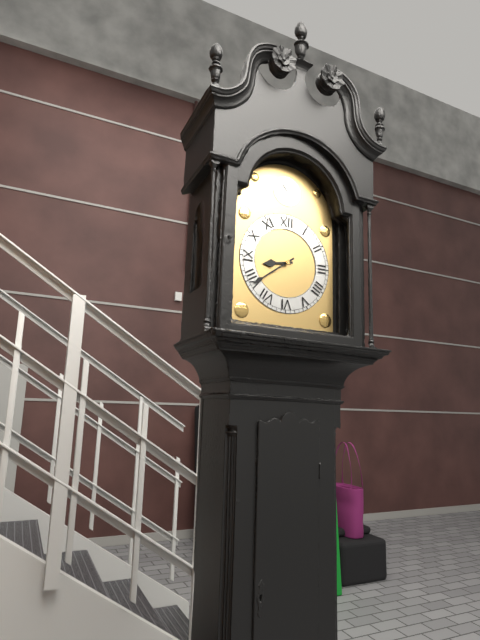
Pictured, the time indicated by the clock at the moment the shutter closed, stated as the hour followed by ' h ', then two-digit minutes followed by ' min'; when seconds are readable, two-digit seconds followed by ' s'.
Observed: 8 h 39 min
